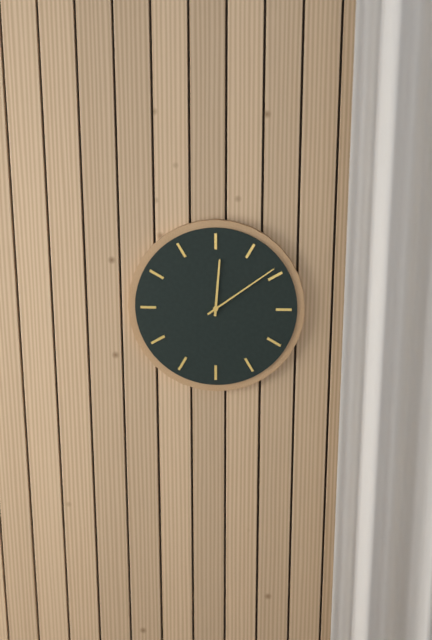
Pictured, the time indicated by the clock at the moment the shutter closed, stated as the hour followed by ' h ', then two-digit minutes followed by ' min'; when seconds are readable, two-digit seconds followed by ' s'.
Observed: 12 h 09 min
